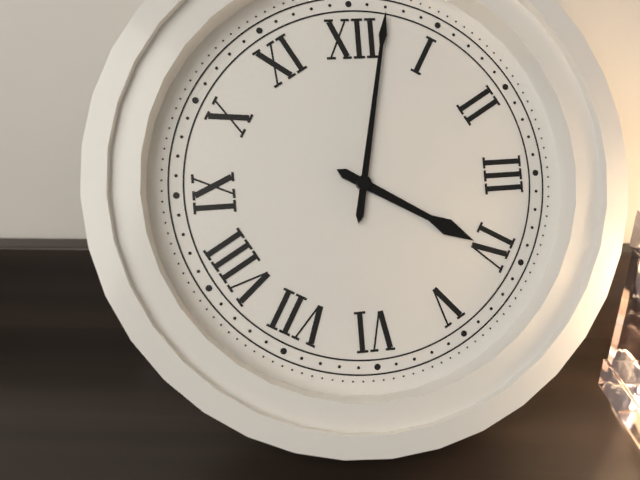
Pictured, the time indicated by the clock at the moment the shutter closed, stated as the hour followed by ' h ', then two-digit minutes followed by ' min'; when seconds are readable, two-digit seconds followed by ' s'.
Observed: 4 h 02 min
